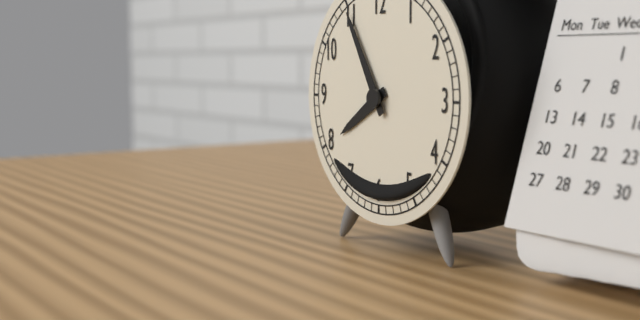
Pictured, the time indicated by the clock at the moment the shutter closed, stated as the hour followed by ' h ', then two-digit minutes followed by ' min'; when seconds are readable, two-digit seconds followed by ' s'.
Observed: 7 h 55 min
